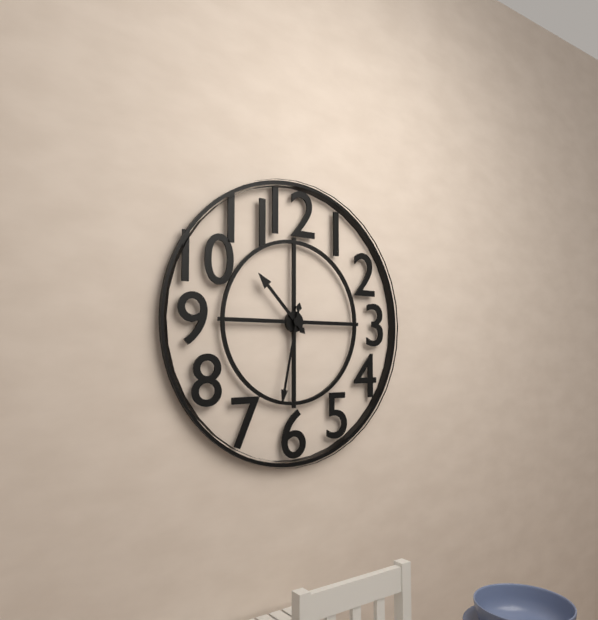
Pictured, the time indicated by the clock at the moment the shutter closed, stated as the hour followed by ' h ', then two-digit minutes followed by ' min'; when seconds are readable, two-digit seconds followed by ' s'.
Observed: 10 h 32 min
